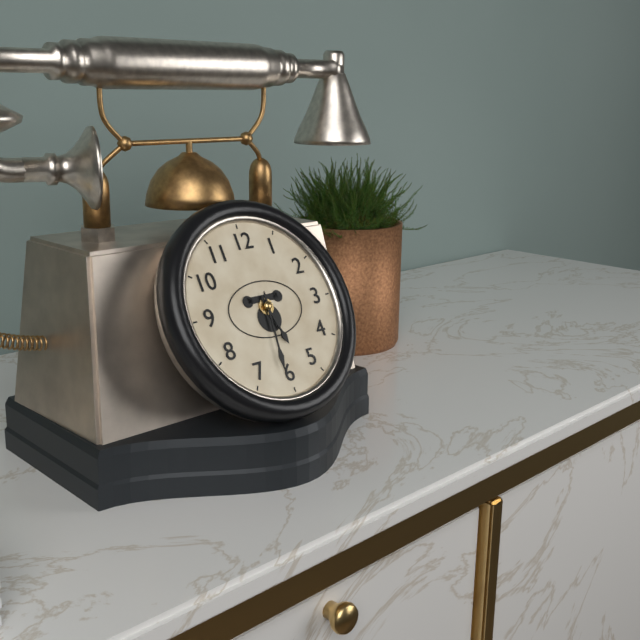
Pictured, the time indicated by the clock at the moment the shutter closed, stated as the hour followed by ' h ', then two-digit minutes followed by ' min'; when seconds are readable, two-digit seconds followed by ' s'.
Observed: 5 h 31 min
